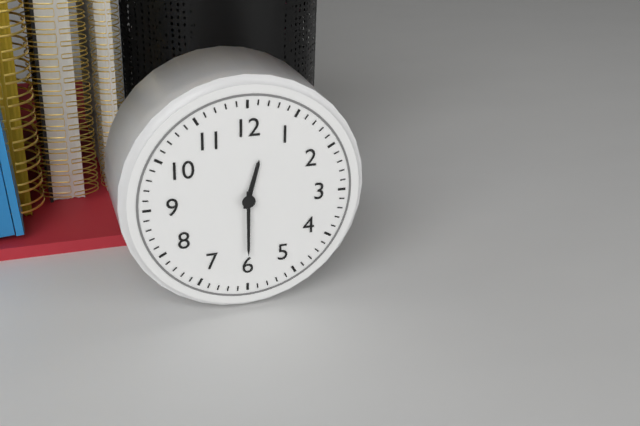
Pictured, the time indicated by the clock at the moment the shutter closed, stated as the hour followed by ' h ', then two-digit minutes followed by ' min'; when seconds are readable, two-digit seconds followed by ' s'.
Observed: 12 h 30 min
